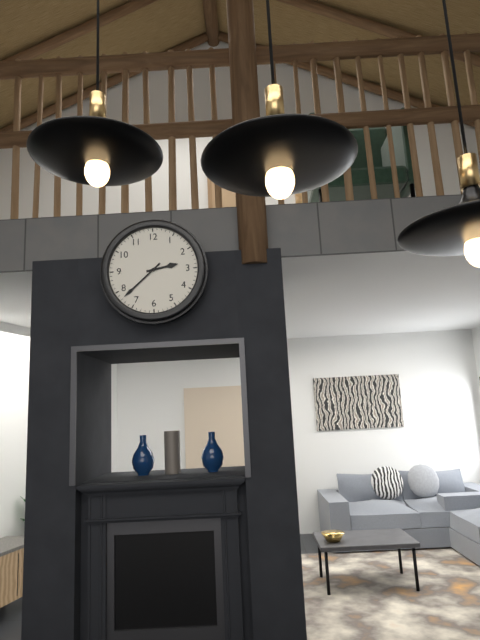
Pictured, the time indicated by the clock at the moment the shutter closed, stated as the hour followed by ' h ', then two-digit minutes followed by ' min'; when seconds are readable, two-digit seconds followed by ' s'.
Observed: 2 h 38 min
